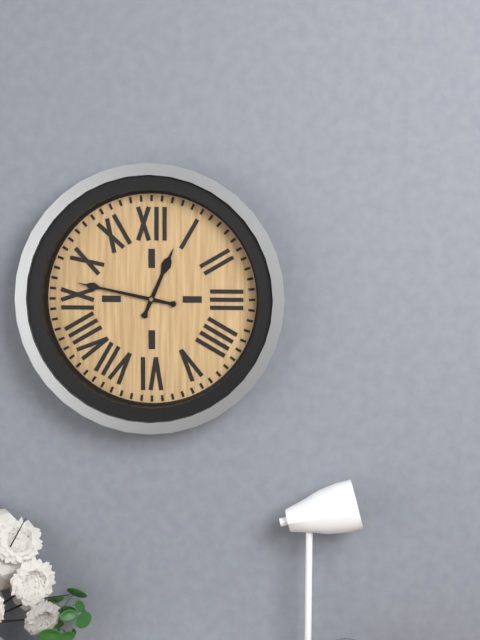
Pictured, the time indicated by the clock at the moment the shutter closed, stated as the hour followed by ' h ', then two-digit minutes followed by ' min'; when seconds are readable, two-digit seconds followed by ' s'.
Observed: 12 h 47 min
